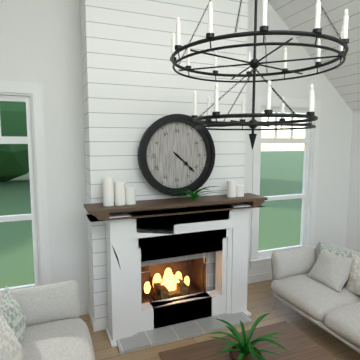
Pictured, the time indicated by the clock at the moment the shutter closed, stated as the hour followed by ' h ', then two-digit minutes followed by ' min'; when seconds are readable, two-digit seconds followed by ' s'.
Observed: 4 h 22 min
